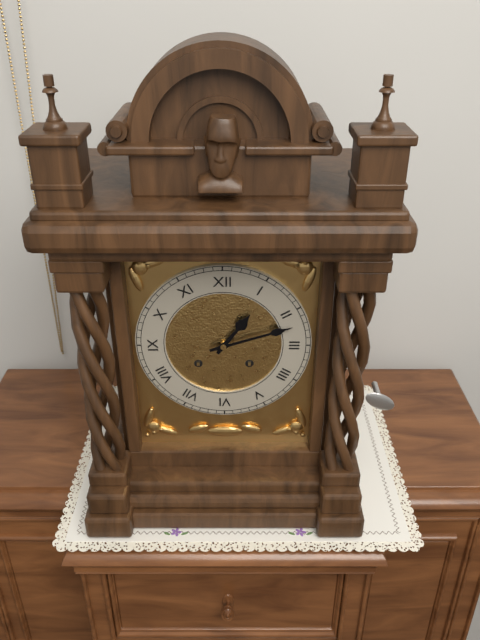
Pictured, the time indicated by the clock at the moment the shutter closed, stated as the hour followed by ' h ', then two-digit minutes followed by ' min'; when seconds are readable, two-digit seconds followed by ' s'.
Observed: 1 h 12 min
